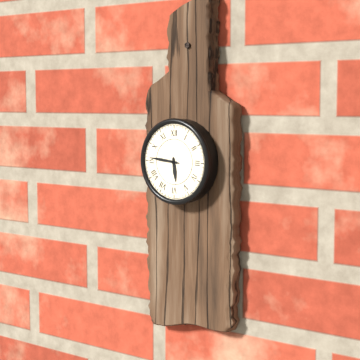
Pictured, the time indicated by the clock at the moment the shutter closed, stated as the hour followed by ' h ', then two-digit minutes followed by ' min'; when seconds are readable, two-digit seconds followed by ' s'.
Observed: 5 h 46 min
